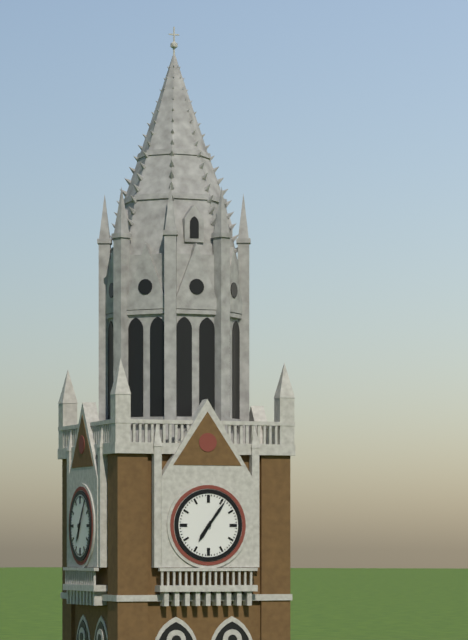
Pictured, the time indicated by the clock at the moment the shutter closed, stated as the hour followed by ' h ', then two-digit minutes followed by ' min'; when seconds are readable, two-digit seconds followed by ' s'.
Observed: 7 h 06 min
